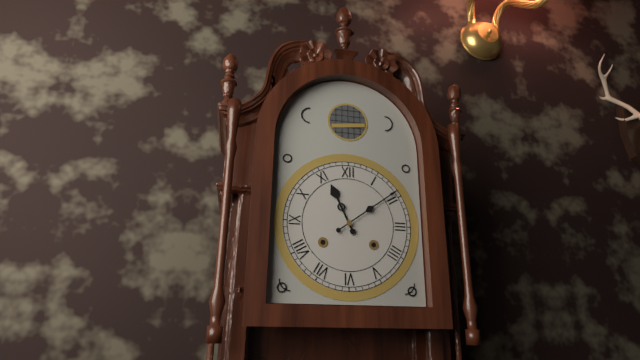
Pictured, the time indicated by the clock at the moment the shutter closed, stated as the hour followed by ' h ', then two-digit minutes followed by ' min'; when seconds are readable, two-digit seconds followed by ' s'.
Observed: 11 h 09 min
